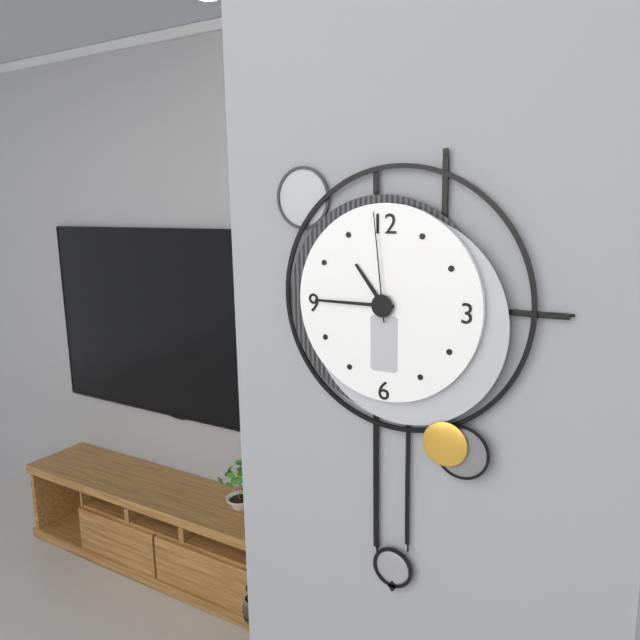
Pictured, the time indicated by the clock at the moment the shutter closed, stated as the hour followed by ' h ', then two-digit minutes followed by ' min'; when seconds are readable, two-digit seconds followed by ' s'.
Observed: 10 h 45 min 59 s
